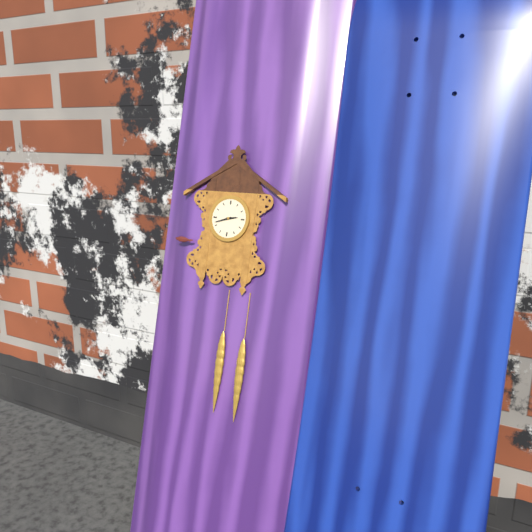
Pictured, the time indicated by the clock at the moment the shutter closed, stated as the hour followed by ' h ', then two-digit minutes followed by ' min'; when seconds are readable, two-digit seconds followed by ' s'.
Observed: 2 h 42 min
